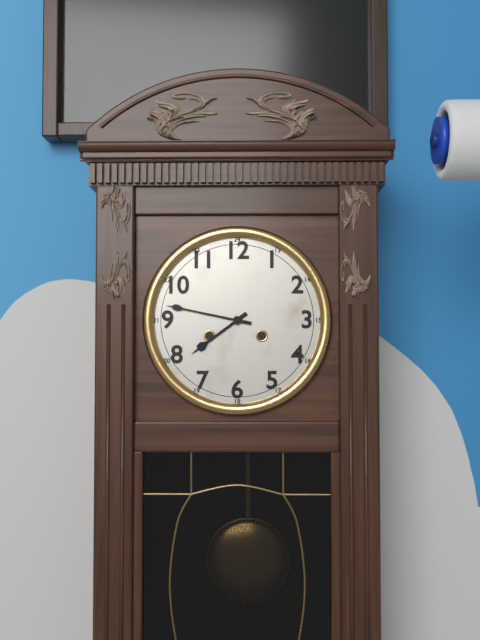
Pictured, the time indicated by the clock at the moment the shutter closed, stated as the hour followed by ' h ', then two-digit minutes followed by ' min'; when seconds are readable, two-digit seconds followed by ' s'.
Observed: 7 h 47 min
